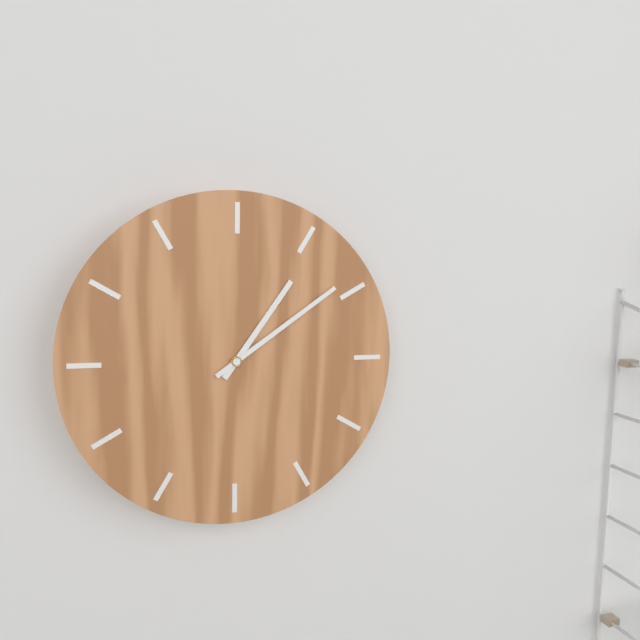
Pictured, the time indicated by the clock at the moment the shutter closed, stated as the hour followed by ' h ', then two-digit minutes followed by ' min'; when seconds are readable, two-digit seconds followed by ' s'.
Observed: 1 h 09 min
